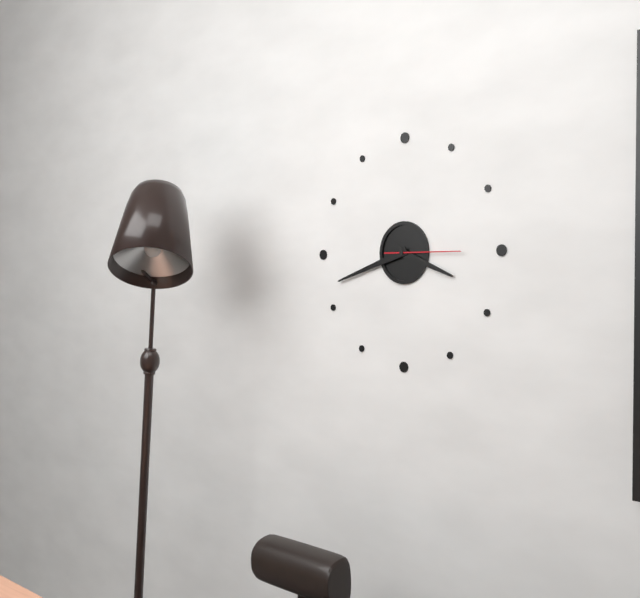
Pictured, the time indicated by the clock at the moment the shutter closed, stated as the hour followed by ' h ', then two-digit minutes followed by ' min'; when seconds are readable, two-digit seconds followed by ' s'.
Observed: 3 h 42 min 15 s
